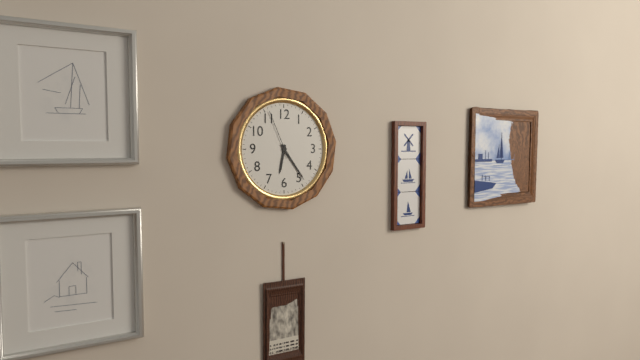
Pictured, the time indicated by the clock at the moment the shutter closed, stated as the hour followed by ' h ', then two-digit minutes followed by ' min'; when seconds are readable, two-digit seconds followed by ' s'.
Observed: 6 h 24 min 56 s
